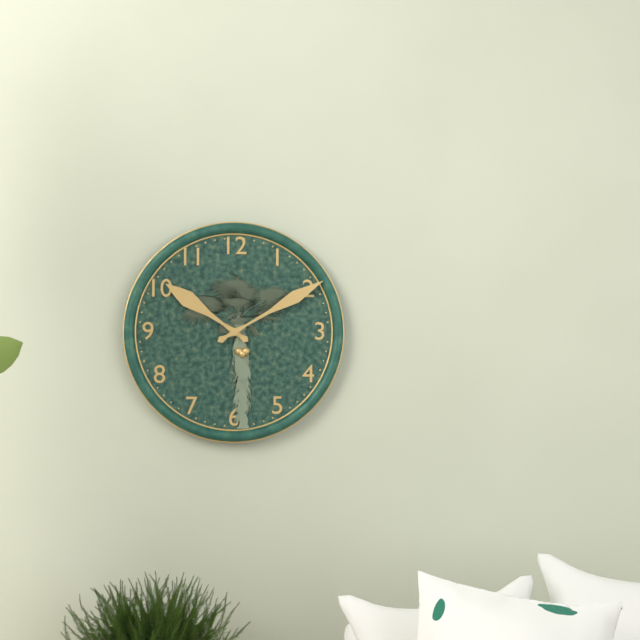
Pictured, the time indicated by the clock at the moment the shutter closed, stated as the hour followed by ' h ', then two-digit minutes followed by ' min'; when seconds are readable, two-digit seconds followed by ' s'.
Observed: 10 h 10 min
